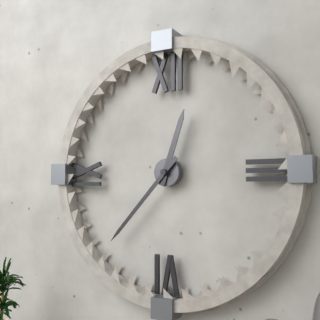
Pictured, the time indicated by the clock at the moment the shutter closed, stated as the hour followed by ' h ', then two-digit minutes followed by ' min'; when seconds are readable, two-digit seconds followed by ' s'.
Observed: 12 h 37 min
